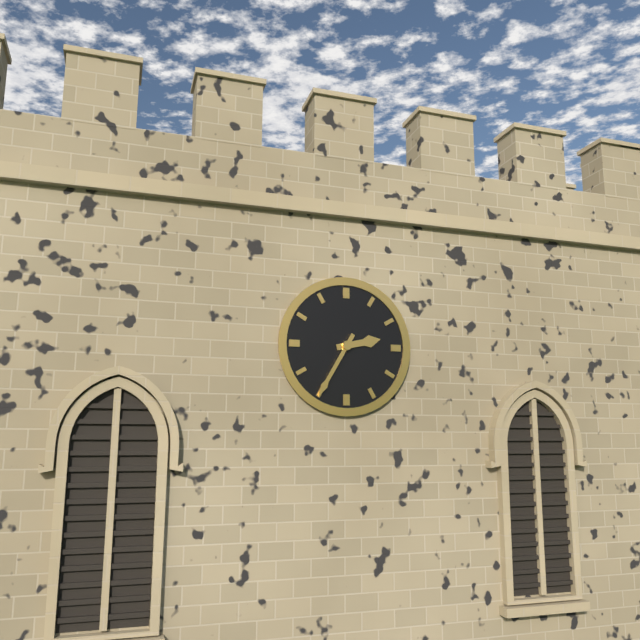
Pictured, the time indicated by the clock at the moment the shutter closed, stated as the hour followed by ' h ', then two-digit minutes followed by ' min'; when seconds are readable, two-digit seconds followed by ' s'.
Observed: 2 h 35 min
